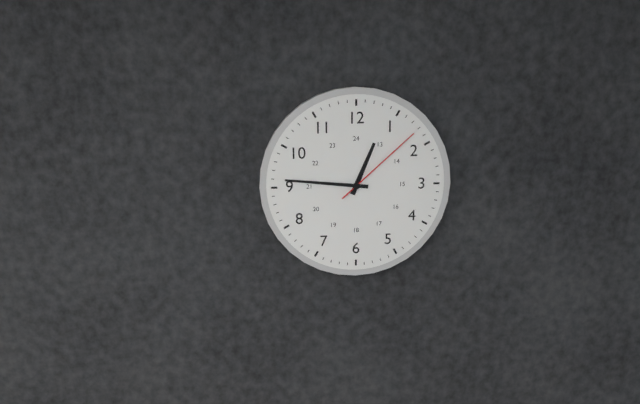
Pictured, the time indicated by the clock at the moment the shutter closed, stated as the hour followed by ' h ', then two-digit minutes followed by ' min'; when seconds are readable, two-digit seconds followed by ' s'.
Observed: 12 h 46 min 08 s
